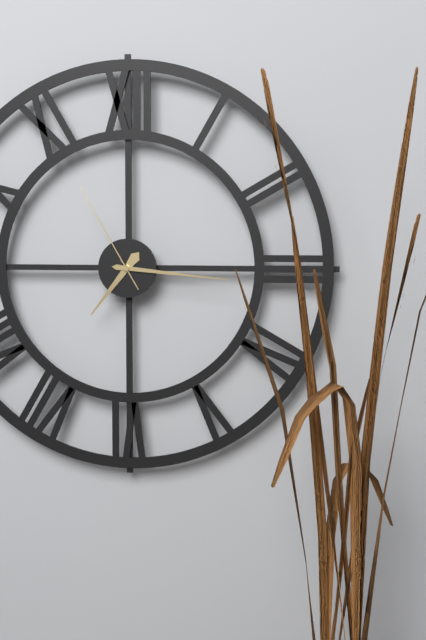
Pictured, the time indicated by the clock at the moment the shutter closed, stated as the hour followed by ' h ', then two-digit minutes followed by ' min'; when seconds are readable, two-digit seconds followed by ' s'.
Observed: 7 h 16 min 55 s
